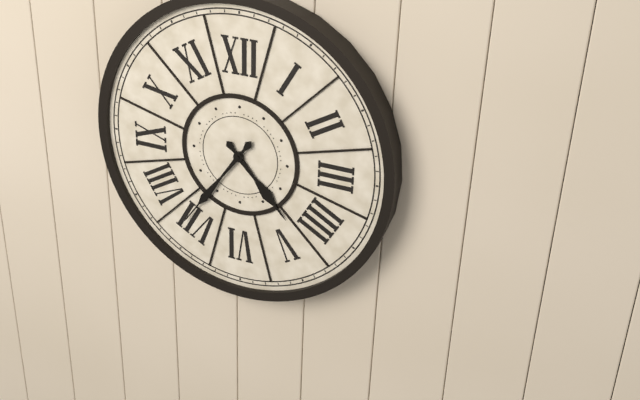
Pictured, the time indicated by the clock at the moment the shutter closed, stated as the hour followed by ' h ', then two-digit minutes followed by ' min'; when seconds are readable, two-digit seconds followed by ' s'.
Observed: 4 h 36 min
